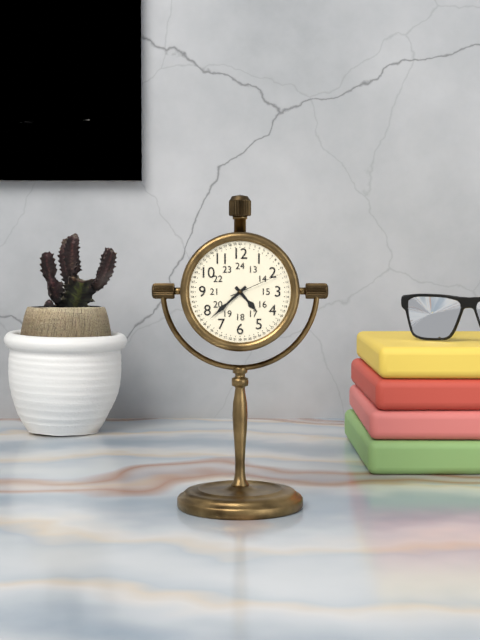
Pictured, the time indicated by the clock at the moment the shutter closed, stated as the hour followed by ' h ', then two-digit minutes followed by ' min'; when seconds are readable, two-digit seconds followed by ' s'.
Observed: 4 h 38 min 11 s
